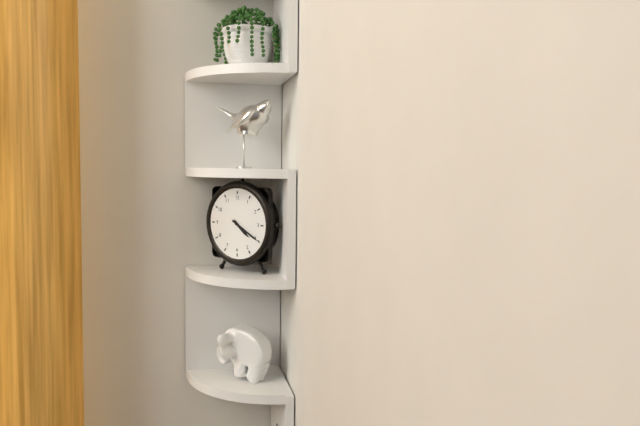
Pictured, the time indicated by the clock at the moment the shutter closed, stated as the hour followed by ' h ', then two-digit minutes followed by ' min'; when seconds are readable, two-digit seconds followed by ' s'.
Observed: 4 h 20 min
